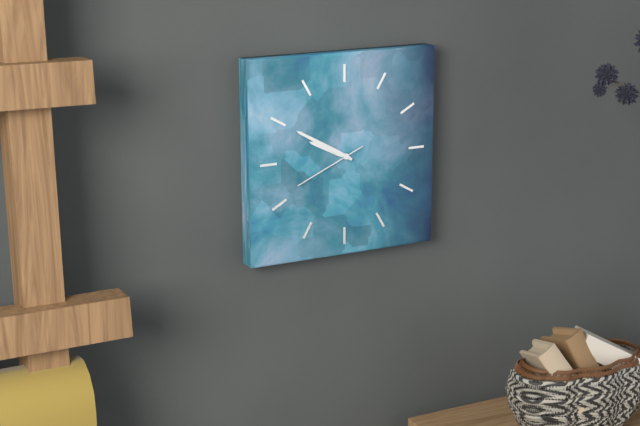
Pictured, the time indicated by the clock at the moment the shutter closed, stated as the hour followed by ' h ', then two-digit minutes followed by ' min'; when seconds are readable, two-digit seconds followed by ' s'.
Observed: 9 h 50 min 41 s
